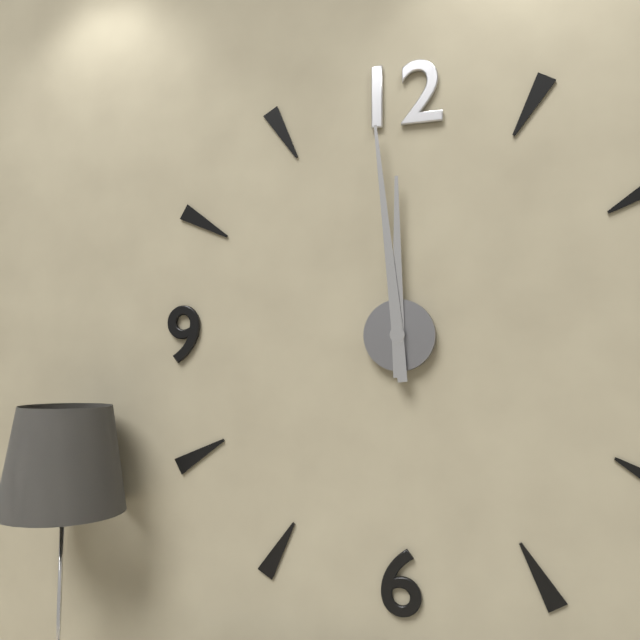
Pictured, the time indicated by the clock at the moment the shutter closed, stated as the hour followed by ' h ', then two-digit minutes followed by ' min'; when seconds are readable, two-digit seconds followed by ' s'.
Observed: 11 h 59 min
